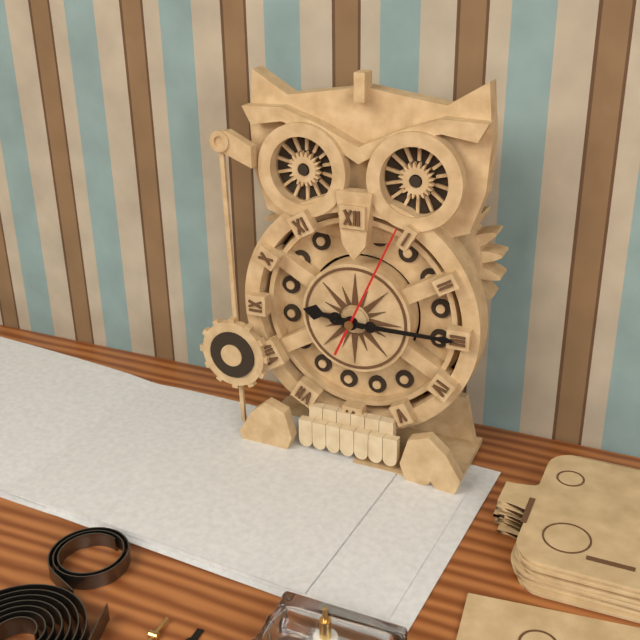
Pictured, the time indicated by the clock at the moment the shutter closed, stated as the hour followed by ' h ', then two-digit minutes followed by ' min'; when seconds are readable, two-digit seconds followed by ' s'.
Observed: 9 h 15 min 04 s
